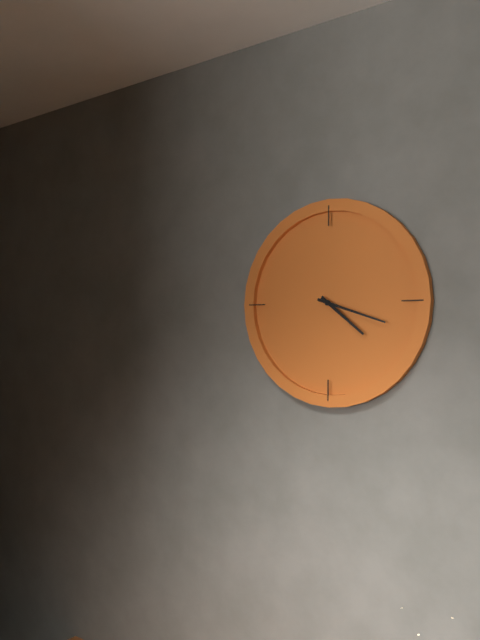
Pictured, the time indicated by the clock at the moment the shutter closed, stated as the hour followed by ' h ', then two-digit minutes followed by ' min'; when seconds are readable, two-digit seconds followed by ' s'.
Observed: 4 h 18 min
